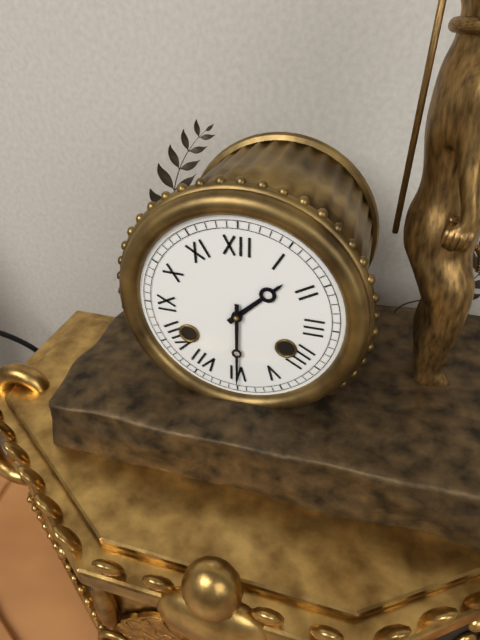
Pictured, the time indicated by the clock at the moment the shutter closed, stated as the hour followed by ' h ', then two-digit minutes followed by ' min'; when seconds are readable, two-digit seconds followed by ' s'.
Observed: 1 h 30 min
